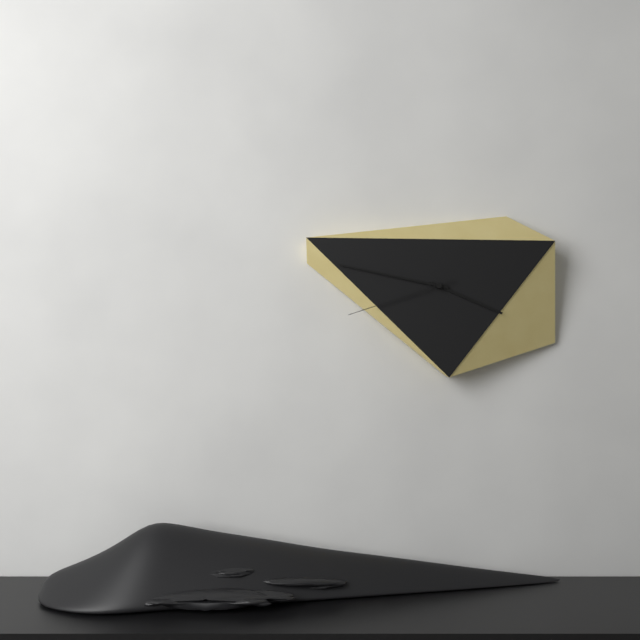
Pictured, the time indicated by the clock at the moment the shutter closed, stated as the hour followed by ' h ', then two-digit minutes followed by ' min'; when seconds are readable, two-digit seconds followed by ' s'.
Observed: 3 h 47 min 42 s
